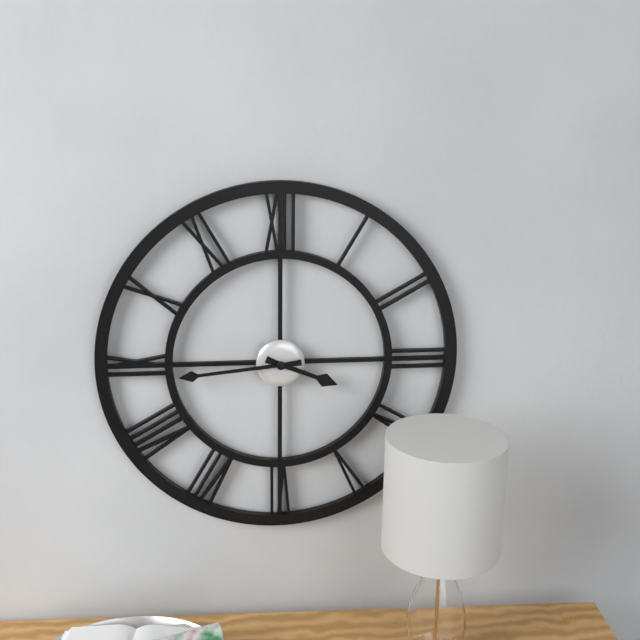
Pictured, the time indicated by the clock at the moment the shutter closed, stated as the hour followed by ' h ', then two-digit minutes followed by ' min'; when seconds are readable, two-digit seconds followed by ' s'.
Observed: 3 h 44 min
